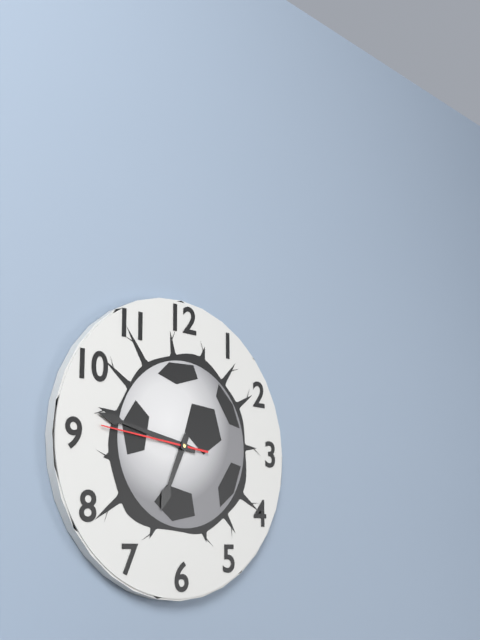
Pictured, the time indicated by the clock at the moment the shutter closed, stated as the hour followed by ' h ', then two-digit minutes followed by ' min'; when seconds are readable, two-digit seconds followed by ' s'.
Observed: 6 h 47 min 46 s
